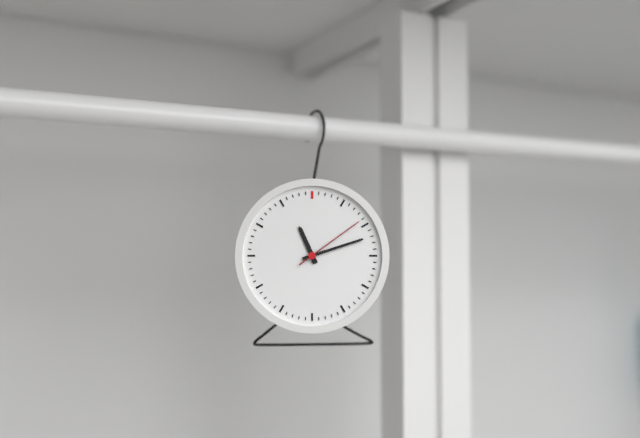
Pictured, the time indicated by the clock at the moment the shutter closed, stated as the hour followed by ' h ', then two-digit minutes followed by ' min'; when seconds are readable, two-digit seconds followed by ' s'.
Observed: 11 h 12 min 09 s
